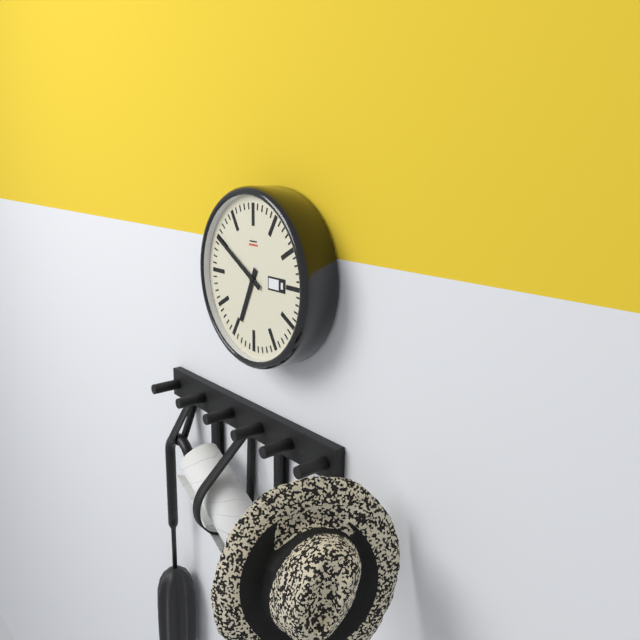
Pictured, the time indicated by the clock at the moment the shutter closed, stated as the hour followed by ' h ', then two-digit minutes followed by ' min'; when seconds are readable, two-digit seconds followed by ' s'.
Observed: 6 h 50 min
